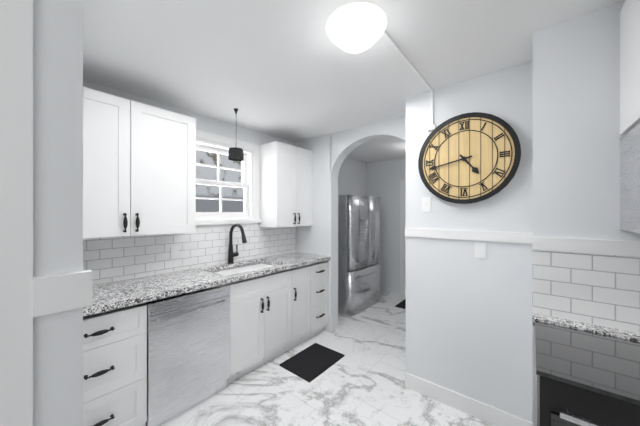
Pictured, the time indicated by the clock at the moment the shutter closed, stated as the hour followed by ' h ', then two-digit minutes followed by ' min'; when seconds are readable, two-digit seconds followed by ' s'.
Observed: 4 h 43 min
